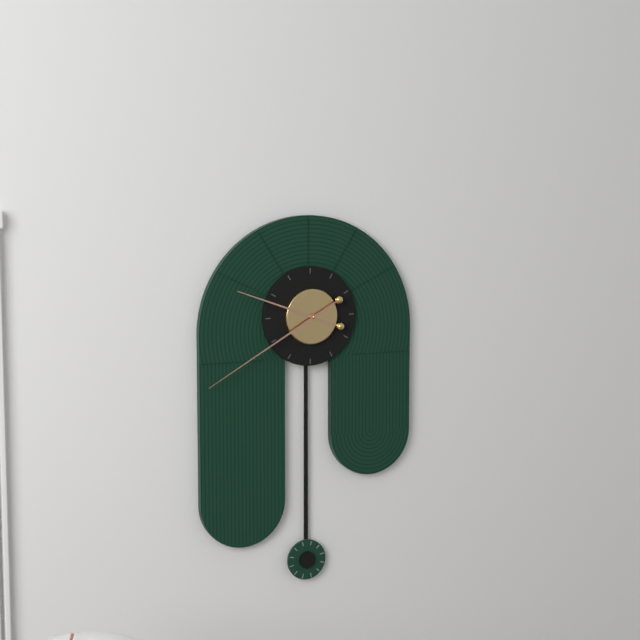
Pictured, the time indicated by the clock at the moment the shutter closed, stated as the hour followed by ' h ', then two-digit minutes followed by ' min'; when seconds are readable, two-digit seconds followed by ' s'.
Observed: 9 h 40 min
